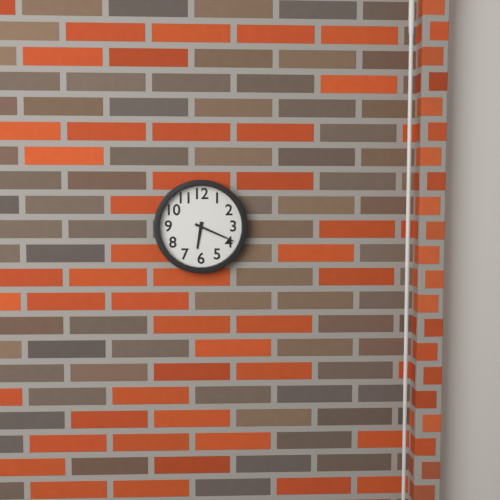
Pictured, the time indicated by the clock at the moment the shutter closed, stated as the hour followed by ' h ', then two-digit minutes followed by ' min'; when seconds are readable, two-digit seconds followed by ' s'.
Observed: 6 h 19 min
